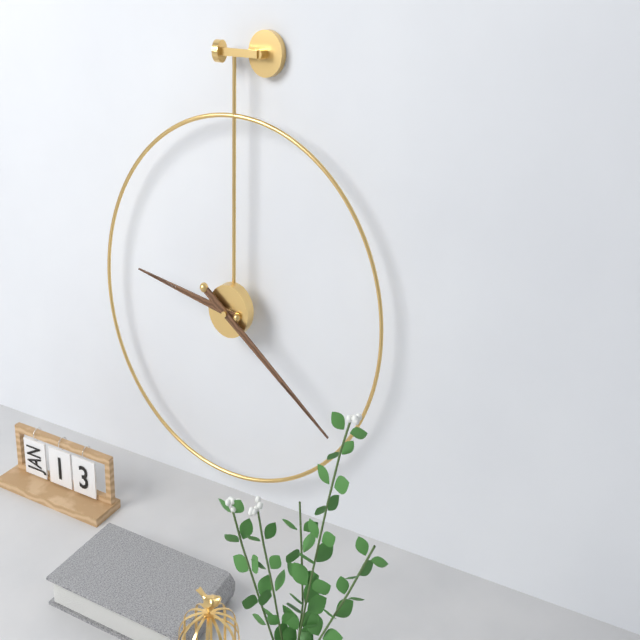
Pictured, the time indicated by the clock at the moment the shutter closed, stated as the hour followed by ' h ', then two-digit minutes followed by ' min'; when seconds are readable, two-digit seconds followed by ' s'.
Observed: 9 h 21 min
